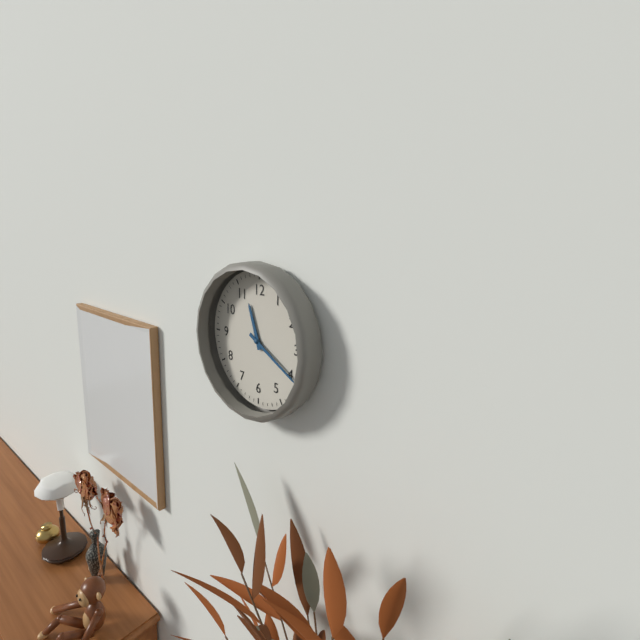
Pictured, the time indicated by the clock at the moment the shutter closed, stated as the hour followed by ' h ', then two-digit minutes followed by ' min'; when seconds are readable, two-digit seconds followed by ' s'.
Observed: 11 h 20 min
